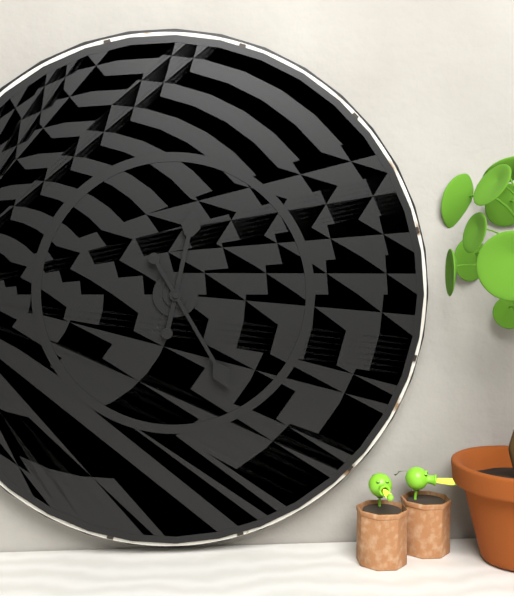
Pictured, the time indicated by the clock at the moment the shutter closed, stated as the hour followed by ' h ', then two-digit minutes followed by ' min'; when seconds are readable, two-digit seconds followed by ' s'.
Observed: 12 h 25 min
